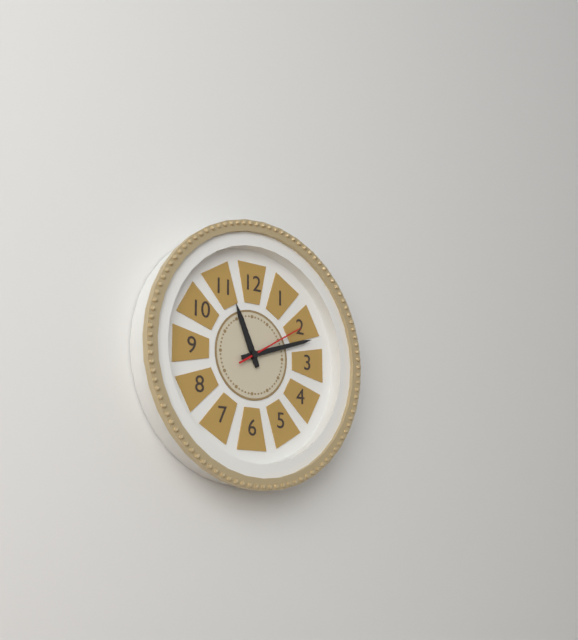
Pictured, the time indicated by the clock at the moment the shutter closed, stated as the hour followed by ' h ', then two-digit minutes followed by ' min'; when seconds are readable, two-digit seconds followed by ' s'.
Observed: 11 h 12 min 10 s
